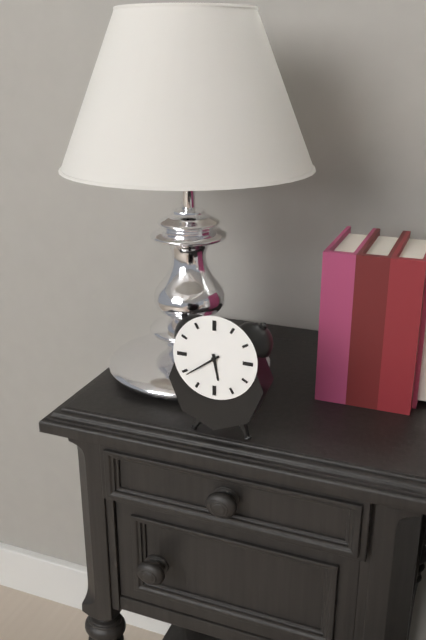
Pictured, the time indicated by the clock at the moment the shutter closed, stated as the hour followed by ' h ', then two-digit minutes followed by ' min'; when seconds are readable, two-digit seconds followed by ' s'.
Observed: 5 h 39 min
